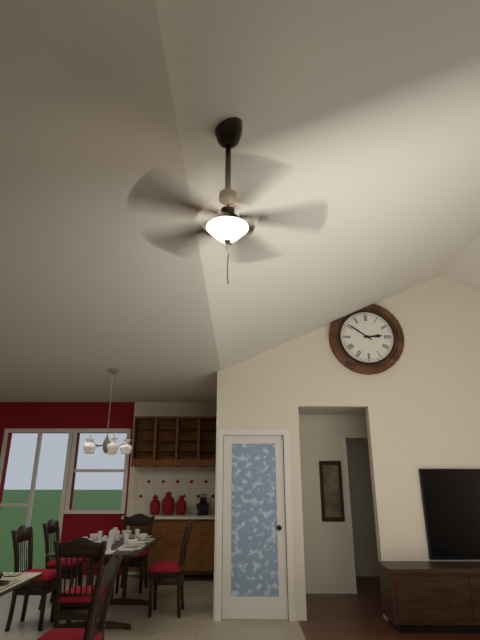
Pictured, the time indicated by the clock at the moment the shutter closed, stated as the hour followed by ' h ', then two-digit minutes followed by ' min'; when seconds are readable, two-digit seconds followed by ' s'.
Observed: 2 h 51 min
